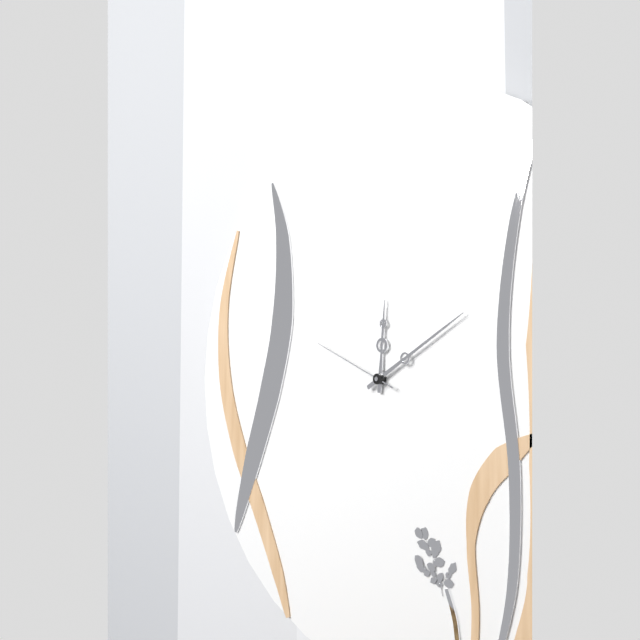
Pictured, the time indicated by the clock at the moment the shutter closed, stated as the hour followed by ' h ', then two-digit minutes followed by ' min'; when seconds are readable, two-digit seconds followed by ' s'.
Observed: 12 h 10 min 49 s
